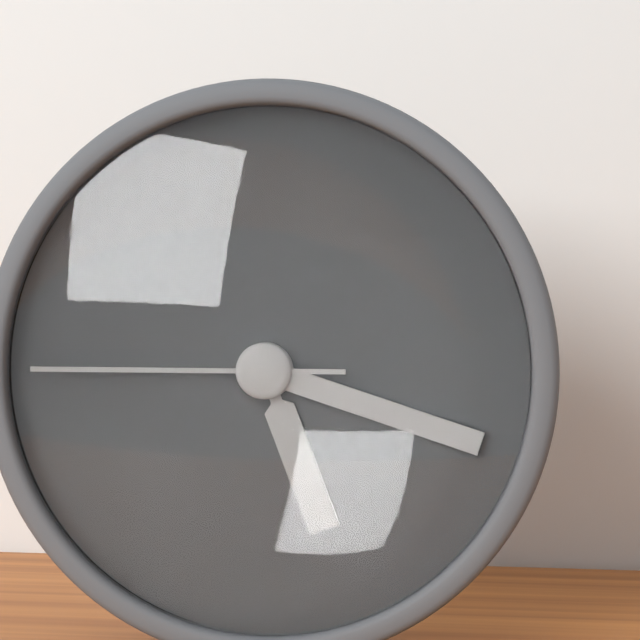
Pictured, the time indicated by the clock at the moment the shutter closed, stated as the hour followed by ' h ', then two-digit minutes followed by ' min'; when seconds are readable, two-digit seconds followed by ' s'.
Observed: 5 h 18 min 45 s
